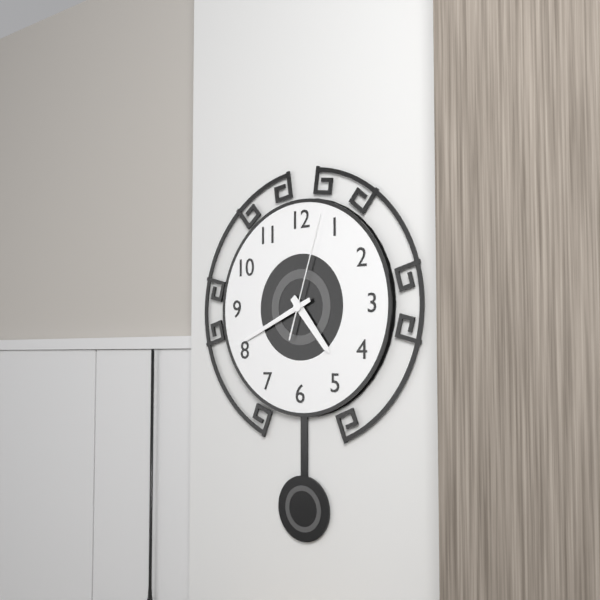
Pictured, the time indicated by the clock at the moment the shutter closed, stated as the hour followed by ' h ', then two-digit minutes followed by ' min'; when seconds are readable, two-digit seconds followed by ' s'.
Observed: 4 h 41 min 03 s
